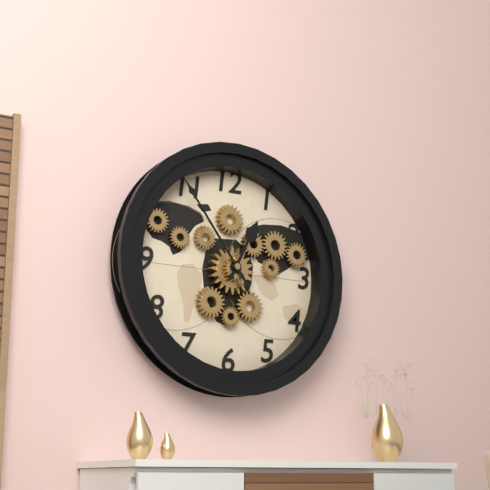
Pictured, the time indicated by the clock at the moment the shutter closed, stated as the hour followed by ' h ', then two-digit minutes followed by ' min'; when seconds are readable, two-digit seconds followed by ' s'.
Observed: 12 h 54 min
